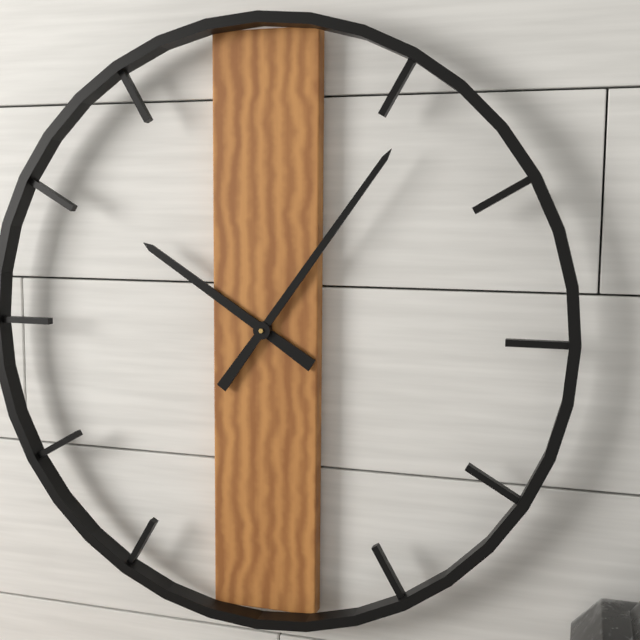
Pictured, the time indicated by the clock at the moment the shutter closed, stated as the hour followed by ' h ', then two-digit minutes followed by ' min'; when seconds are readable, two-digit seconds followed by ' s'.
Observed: 10 h 06 min
